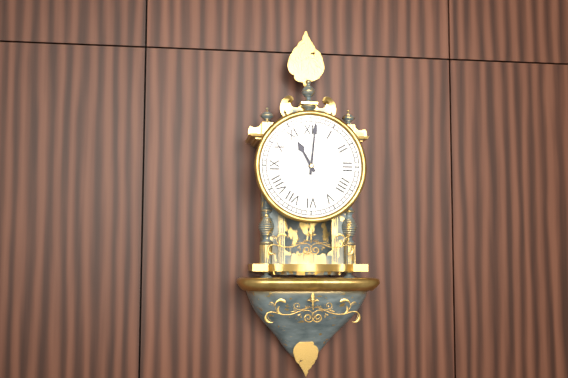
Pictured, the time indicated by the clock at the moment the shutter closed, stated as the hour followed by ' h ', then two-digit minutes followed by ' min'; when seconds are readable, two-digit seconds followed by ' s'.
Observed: 11 h 01 min
